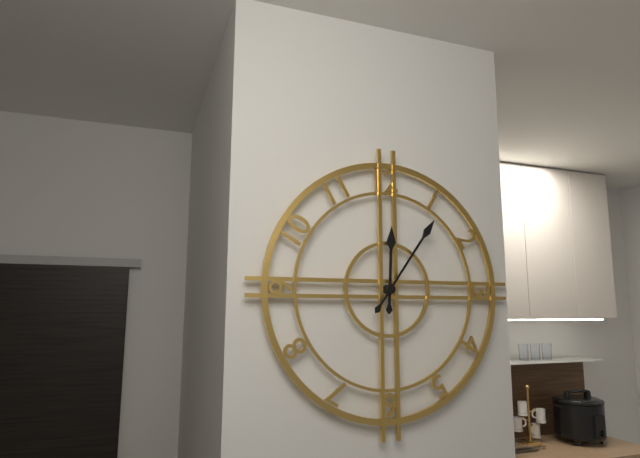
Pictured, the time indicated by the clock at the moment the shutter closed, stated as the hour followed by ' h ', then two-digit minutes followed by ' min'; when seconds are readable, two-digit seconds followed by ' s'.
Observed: 12 h 06 min
